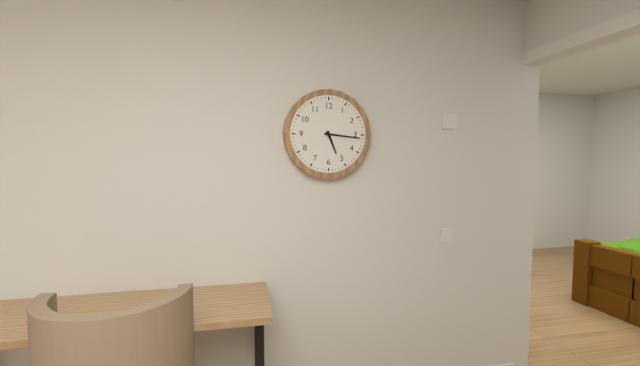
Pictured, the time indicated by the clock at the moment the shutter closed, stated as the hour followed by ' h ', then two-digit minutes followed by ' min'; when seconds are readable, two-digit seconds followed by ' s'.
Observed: 5 h 16 min
